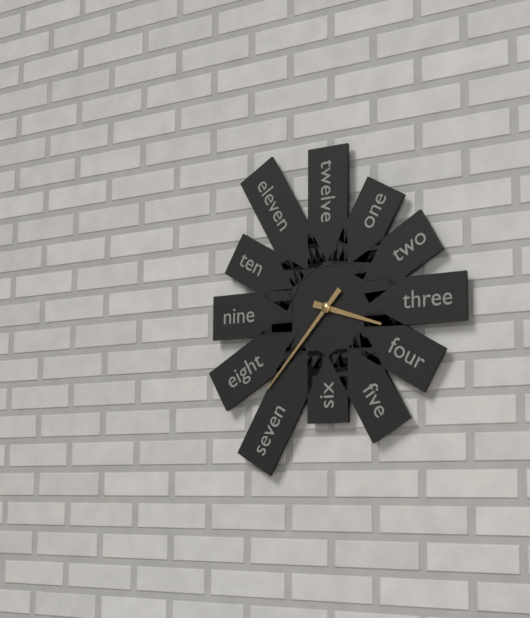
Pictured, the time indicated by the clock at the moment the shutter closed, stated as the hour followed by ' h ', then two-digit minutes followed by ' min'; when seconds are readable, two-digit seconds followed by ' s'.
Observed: 3 h 37 min
